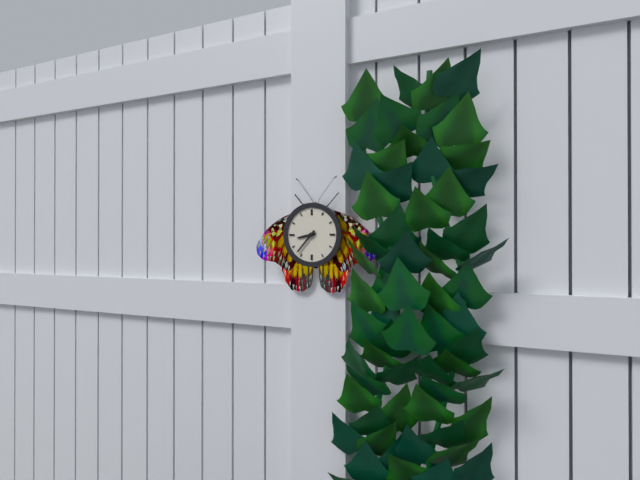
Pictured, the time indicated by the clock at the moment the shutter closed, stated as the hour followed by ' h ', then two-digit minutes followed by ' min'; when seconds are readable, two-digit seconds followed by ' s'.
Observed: 8 h 37 min
